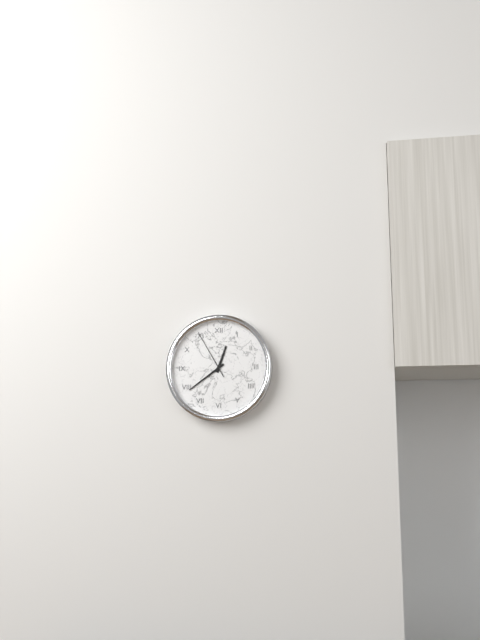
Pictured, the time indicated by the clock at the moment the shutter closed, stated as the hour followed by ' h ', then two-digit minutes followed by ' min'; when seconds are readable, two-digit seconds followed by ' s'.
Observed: 12 h 39 min 55 s
